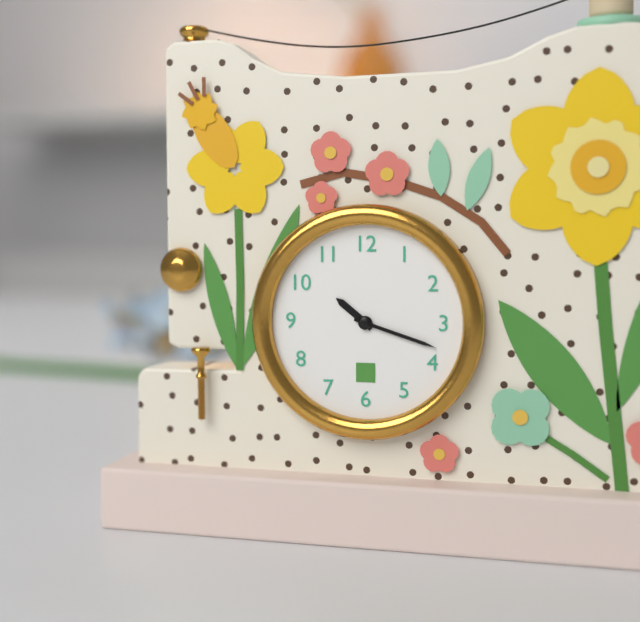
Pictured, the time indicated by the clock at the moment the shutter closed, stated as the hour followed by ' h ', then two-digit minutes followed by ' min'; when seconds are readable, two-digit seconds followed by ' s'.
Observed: 10 h 18 min
